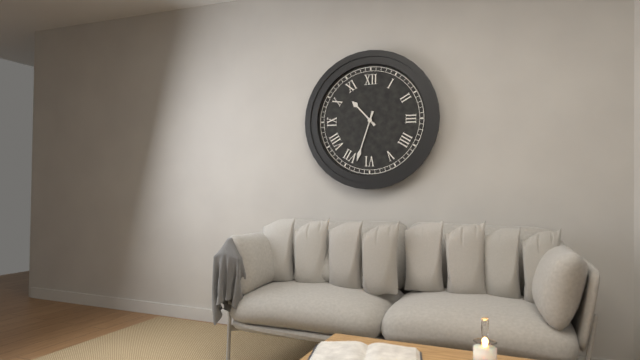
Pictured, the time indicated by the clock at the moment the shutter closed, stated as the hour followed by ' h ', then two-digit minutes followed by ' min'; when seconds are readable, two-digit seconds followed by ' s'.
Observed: 10 h 33 min
